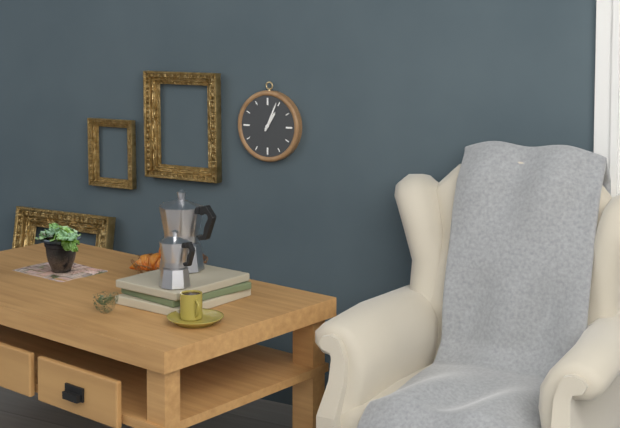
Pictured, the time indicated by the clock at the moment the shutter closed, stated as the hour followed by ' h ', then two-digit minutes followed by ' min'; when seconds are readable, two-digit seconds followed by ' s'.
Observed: 1 h 04 min
